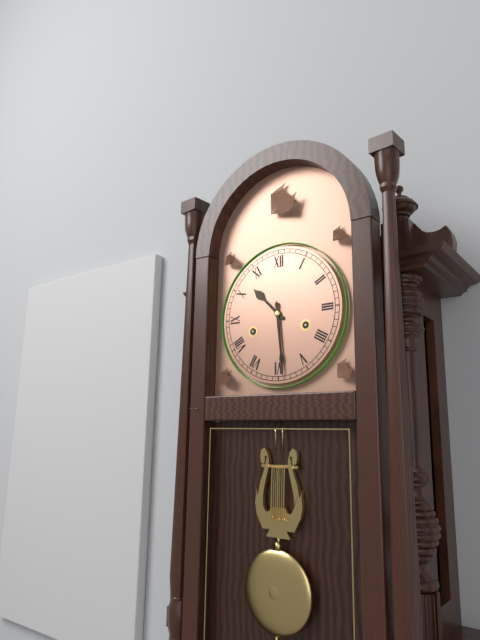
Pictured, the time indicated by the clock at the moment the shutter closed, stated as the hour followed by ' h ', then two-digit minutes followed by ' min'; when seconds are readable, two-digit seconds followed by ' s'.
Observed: 10 h 29 min
